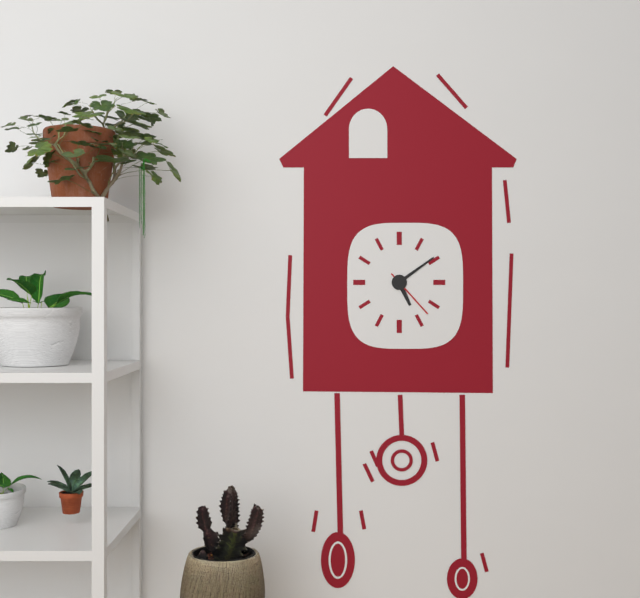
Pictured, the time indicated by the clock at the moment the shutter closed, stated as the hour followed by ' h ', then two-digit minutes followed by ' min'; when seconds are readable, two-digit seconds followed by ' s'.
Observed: 5 h 09 min 23 s
